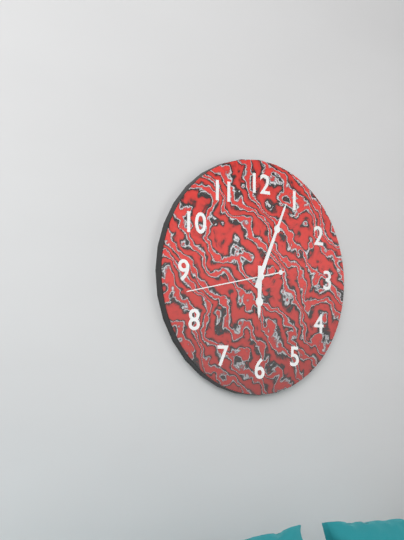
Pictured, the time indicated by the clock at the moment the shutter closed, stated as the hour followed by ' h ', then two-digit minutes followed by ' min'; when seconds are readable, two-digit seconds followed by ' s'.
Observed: 6 h 04 min 43 s
